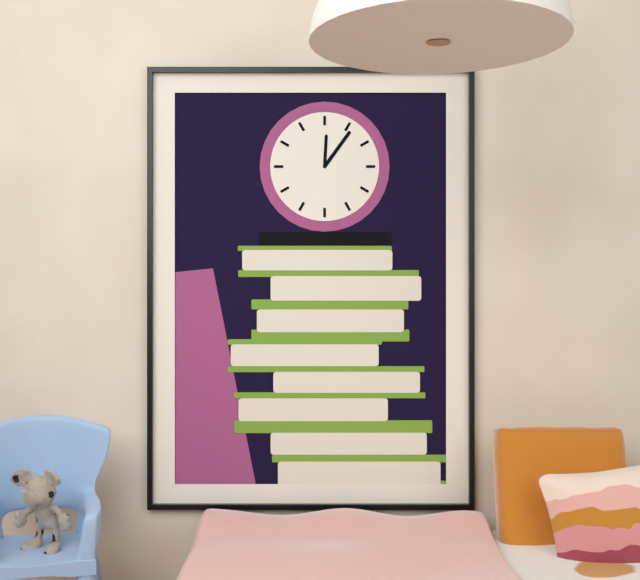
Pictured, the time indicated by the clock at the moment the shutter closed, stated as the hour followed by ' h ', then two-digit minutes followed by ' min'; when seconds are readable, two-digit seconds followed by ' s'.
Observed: 12 h 06 min
